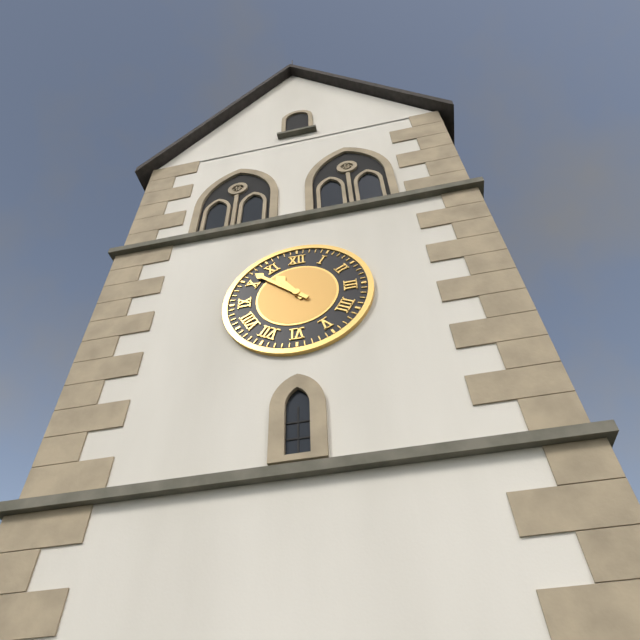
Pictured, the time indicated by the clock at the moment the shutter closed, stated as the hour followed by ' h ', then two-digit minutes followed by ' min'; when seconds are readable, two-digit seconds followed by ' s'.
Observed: 10 h 52 min
